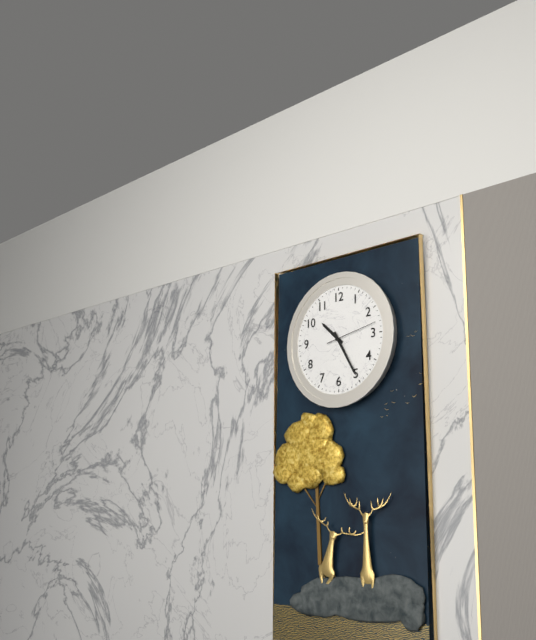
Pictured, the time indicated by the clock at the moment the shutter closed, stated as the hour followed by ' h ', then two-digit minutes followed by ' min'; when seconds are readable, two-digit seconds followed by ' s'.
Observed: 10 h 25 min 13 s
